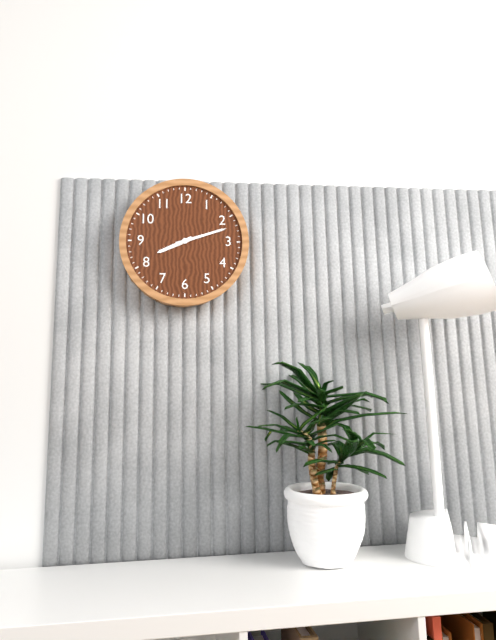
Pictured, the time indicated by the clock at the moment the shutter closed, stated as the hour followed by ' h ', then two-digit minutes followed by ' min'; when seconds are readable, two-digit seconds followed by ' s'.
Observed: 8 h 12 min
